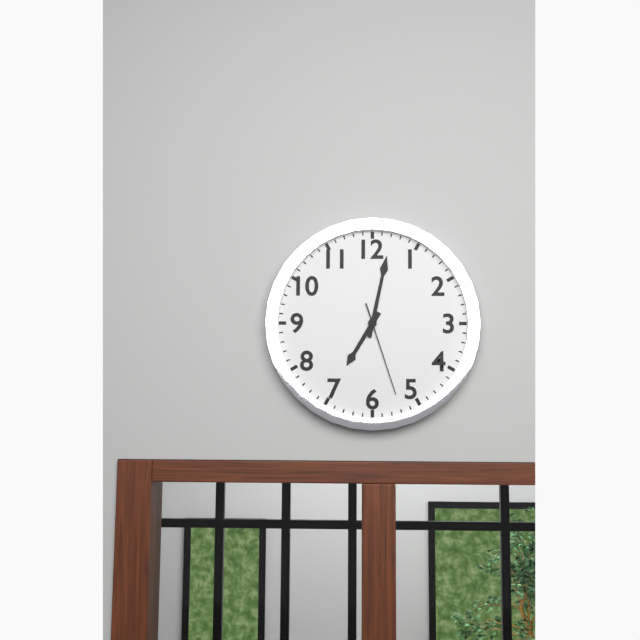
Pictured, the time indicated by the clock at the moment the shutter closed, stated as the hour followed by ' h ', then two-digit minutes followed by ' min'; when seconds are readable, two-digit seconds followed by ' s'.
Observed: 7 h 02 min 27 s
